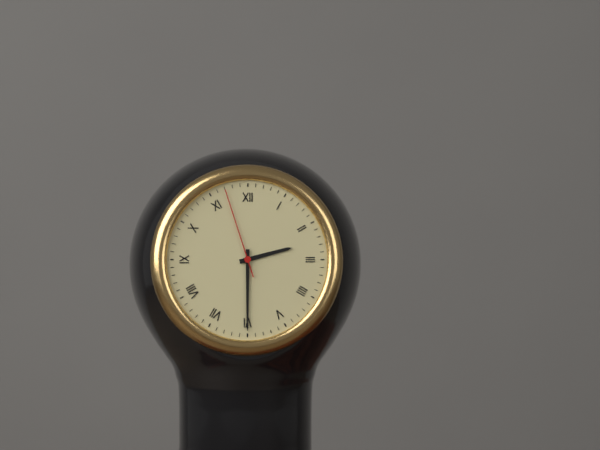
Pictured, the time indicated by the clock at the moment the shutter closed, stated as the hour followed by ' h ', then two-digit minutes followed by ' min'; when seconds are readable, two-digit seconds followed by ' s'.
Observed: 2 h 30 min 57 s
